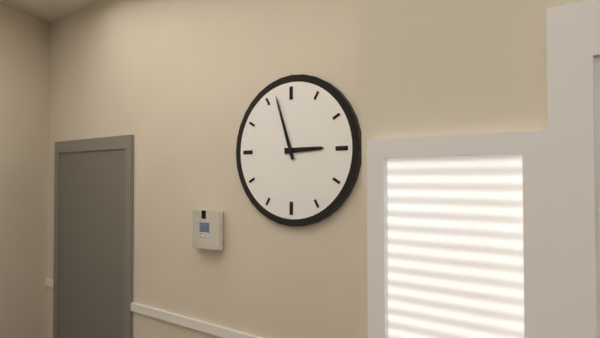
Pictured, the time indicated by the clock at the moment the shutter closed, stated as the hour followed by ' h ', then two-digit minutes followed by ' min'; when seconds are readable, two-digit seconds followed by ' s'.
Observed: 2 h 57 min
